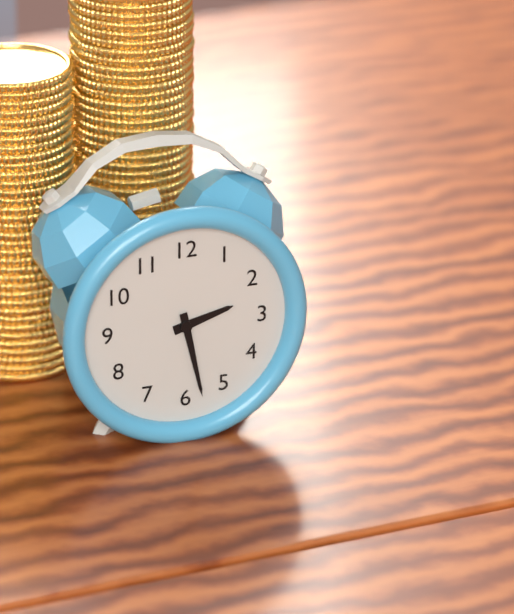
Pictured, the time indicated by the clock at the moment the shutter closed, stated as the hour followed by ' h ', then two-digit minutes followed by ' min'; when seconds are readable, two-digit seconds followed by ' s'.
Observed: 2 h 28 min
